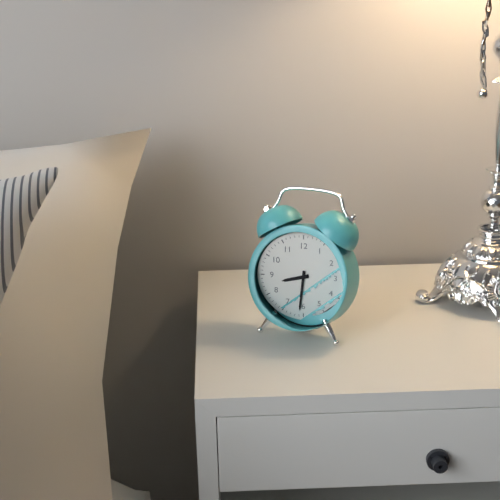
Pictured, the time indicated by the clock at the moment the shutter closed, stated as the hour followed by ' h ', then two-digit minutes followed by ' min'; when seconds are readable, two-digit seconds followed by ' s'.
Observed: 8 h 31 min
